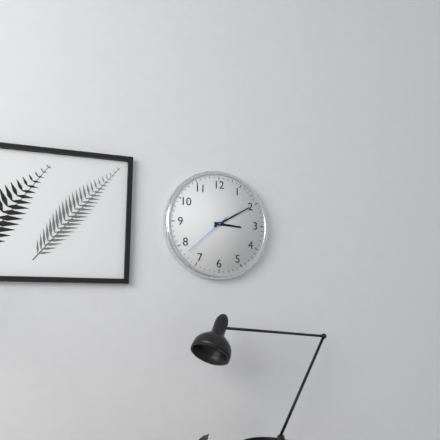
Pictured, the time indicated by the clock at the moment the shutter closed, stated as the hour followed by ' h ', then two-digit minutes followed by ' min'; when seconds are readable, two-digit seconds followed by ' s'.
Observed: 3 h 10 min 38 s
